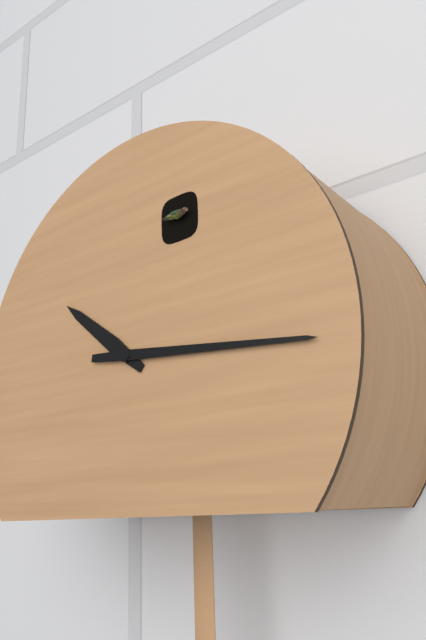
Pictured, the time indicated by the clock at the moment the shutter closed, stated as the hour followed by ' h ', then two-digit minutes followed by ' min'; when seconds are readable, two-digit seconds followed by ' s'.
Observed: 10 h 16 min
